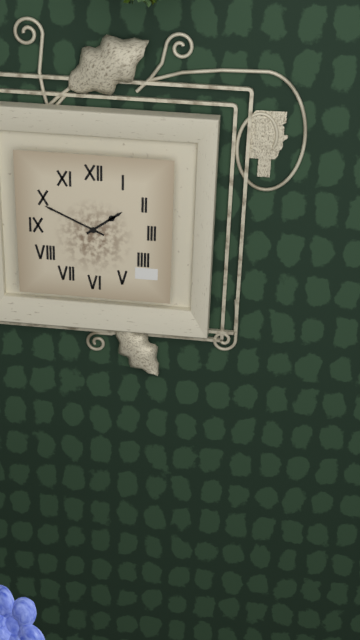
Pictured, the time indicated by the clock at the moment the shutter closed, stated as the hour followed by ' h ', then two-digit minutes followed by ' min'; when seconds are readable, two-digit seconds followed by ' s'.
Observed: 1 h 49 min
